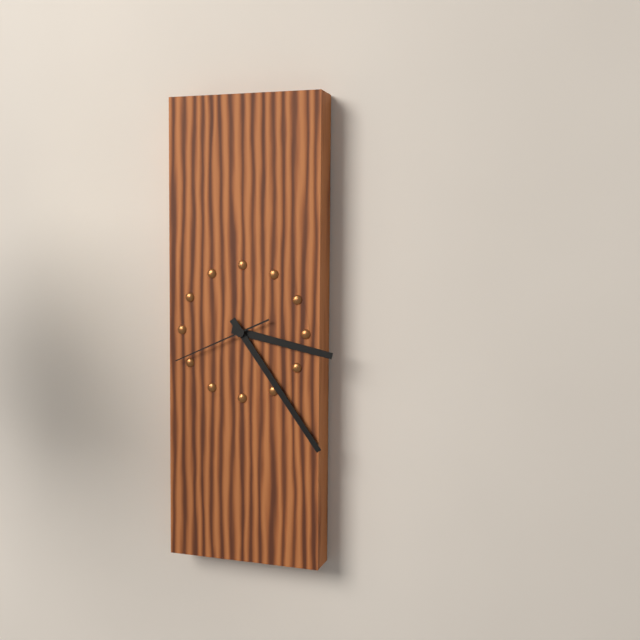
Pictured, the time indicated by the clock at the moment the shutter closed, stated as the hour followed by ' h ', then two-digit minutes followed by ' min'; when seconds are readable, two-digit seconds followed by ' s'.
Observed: 3 h 24 min 41 s
